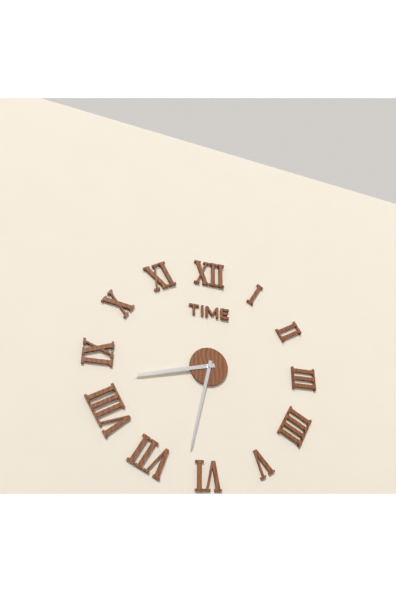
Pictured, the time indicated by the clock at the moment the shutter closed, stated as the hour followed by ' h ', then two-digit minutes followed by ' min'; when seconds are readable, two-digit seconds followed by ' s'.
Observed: 8 h 32 min
